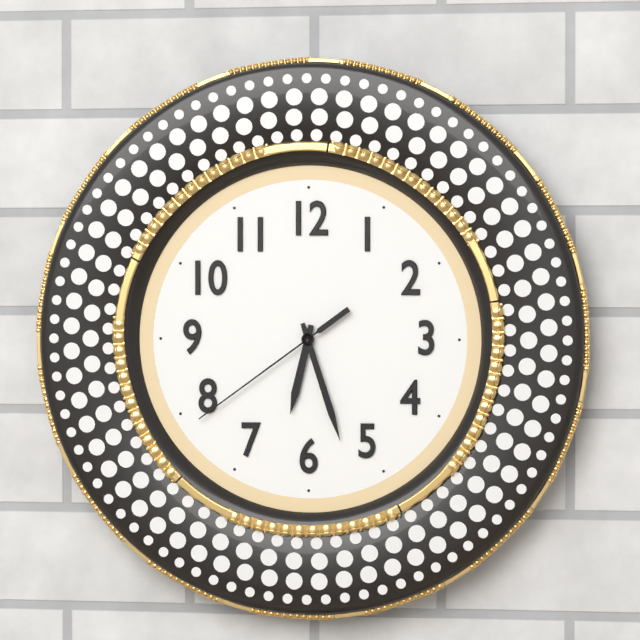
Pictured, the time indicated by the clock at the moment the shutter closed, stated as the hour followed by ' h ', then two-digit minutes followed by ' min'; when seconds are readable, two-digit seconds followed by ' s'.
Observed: 6 h 27 min 39 s
